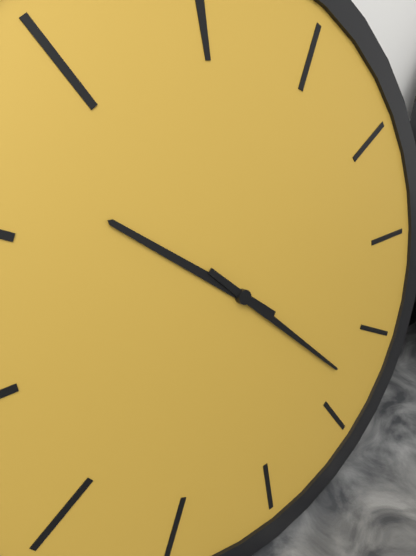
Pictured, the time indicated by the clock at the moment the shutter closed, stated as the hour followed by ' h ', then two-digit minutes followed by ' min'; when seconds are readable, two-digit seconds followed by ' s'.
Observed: 10 h 23 min
